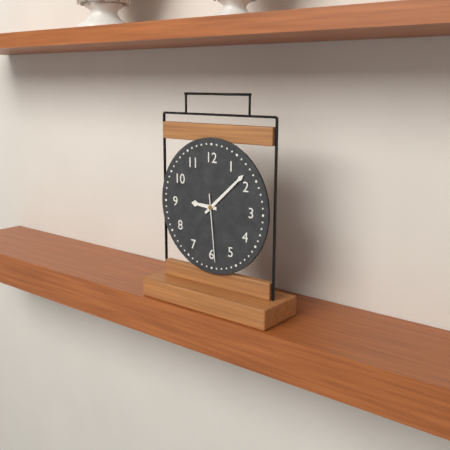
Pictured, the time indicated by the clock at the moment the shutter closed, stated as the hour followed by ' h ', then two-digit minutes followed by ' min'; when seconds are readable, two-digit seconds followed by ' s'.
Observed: 9 h 08 min 29 s
